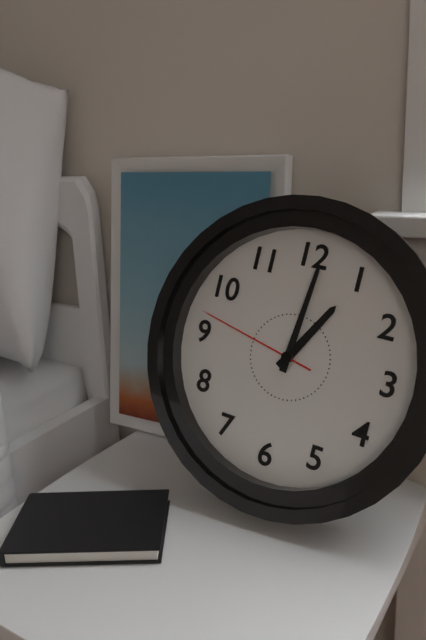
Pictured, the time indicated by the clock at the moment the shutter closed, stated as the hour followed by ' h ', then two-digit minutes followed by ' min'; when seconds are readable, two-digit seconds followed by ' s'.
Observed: 1 h 01 min 47 s
